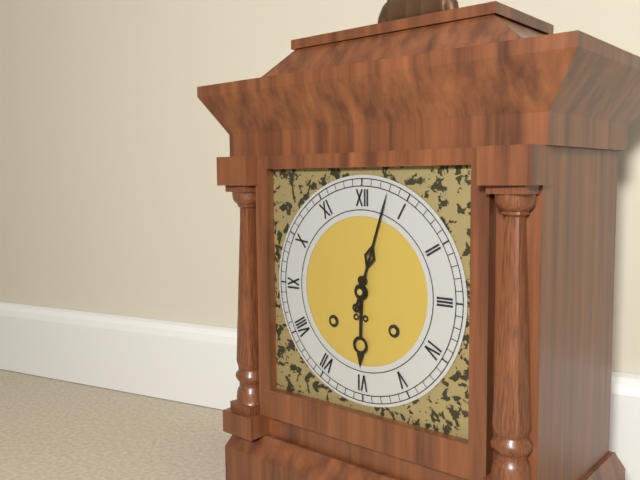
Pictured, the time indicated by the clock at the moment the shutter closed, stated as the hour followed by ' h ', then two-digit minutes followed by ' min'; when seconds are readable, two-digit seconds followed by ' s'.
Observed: 6 h 03 min
